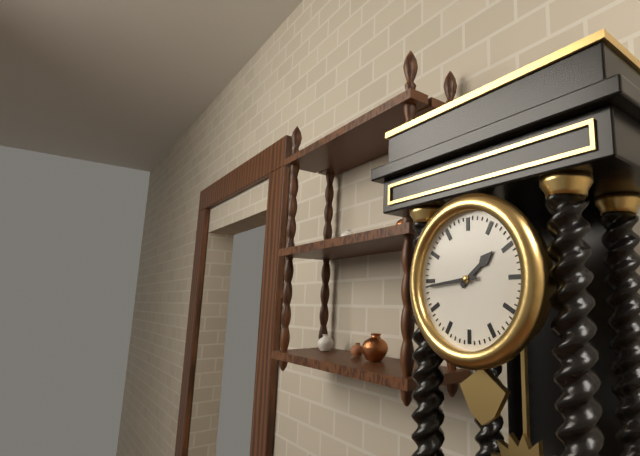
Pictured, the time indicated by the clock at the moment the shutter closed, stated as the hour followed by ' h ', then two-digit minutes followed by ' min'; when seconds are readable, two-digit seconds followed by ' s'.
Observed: 1 h 44 min
